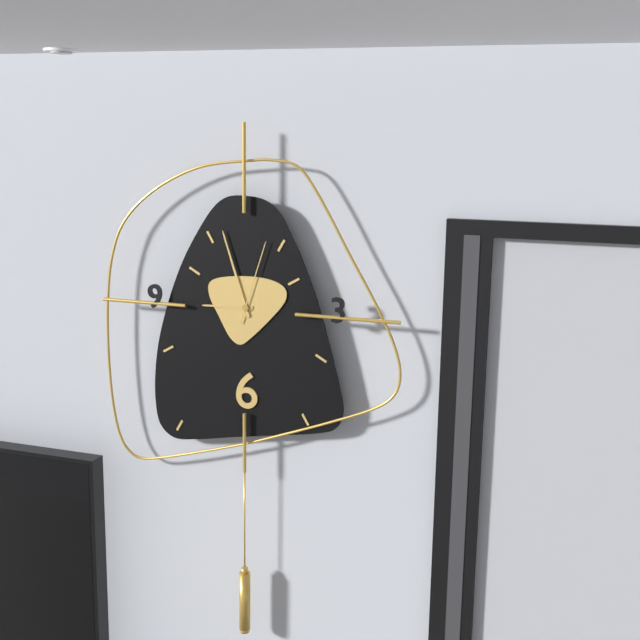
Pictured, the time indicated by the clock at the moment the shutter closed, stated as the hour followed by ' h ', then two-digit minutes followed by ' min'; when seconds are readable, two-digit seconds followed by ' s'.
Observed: 8 h 57 min 03 s
